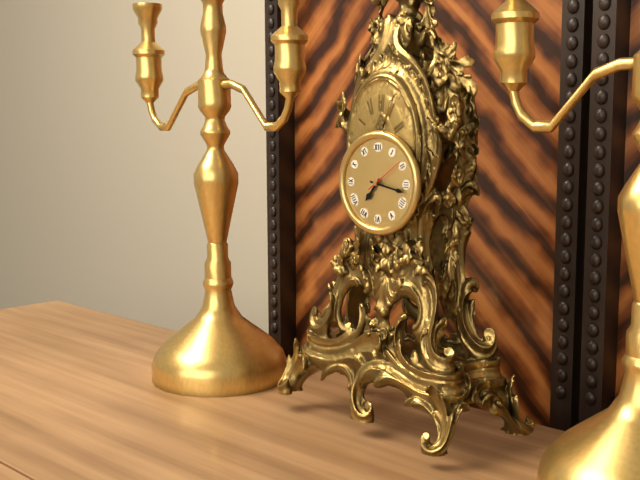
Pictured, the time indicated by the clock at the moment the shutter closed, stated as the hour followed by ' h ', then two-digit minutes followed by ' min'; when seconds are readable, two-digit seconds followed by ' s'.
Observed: 7 h 17 min
